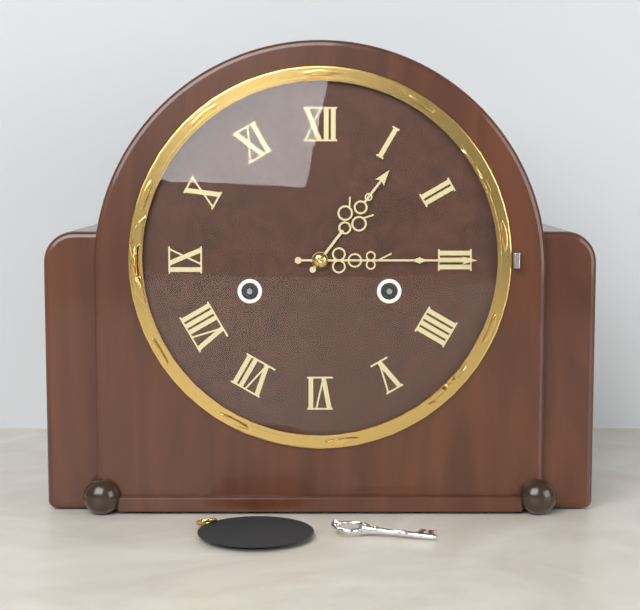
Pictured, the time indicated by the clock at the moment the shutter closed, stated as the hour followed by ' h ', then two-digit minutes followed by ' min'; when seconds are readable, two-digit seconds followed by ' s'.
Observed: 1 h 15 min
